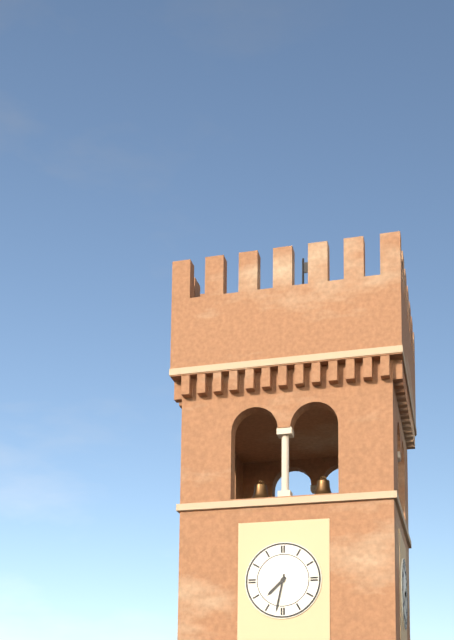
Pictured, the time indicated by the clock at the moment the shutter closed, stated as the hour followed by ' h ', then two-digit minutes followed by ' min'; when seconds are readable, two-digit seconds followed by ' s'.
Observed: 7 h 32 min
